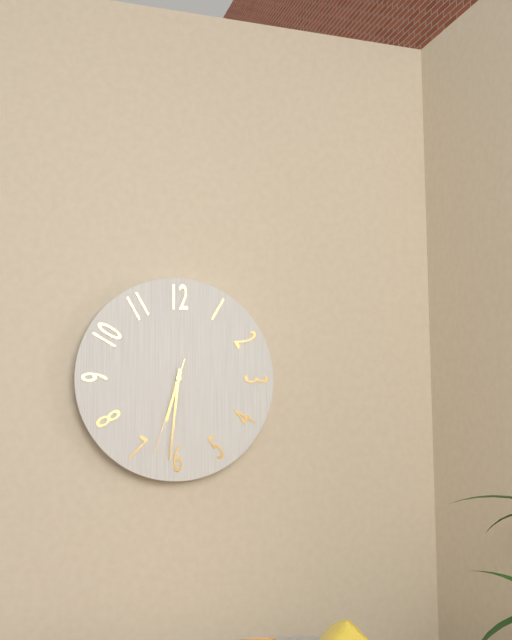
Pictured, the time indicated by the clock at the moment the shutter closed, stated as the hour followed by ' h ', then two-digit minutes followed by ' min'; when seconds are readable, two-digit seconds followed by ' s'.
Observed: 6 h 31 min 33 s
